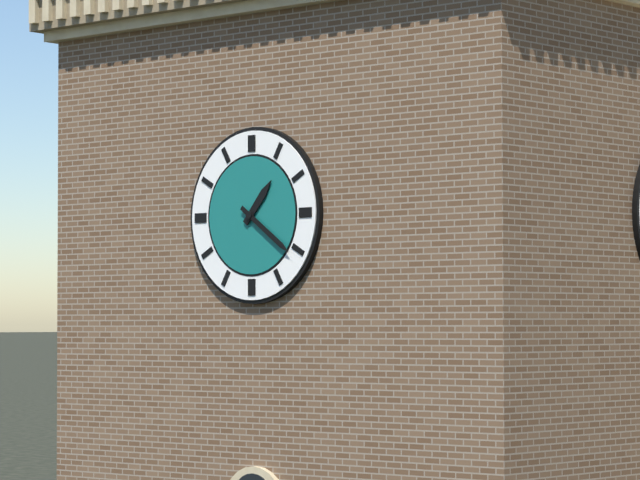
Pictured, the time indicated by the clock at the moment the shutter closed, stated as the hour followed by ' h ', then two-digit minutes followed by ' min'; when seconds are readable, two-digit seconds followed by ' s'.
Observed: 1 h 21 min
